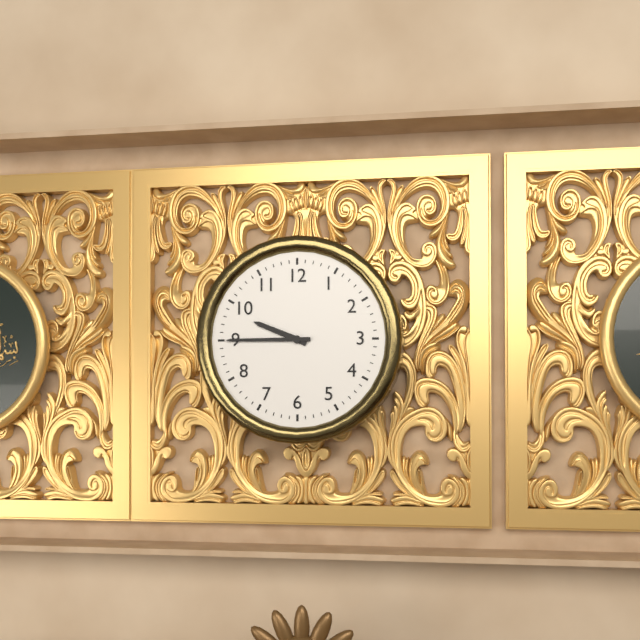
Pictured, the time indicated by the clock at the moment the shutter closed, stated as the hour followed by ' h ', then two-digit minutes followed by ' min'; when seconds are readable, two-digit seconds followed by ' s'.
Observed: 9 h 45 min
